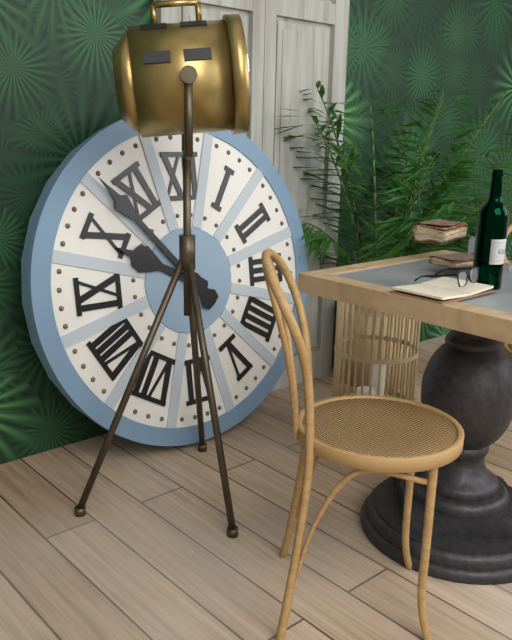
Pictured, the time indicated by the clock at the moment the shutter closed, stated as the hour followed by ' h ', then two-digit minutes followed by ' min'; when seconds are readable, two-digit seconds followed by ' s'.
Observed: 9 h 53 min
